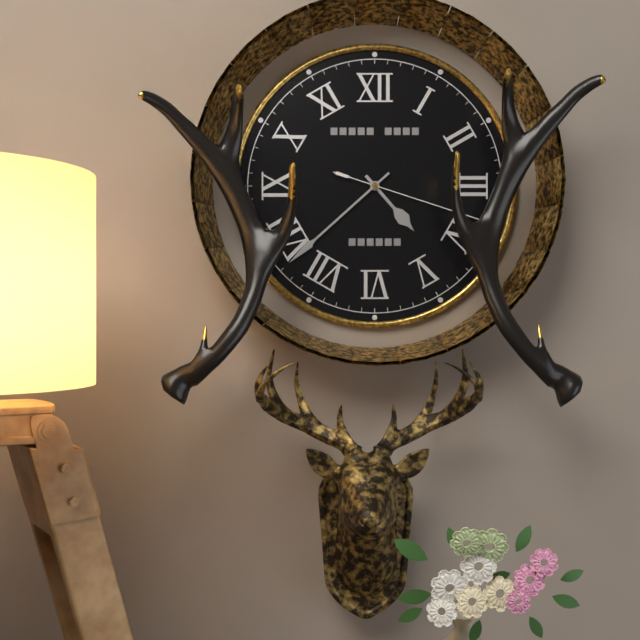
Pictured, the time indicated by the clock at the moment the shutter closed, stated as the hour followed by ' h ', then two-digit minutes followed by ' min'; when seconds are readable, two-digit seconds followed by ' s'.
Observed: 4 h 38 min 18 s
